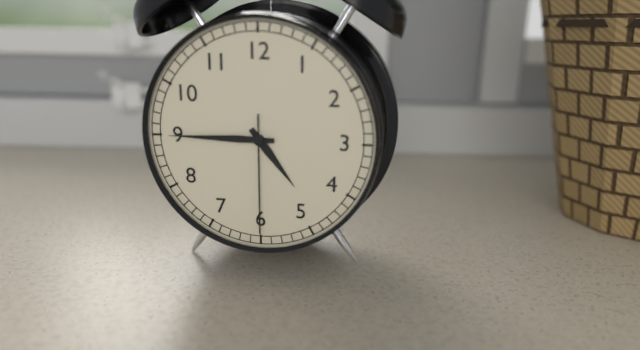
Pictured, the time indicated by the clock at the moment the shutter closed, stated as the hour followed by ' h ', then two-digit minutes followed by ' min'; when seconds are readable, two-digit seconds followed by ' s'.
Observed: 4 h 45 min 30 s
